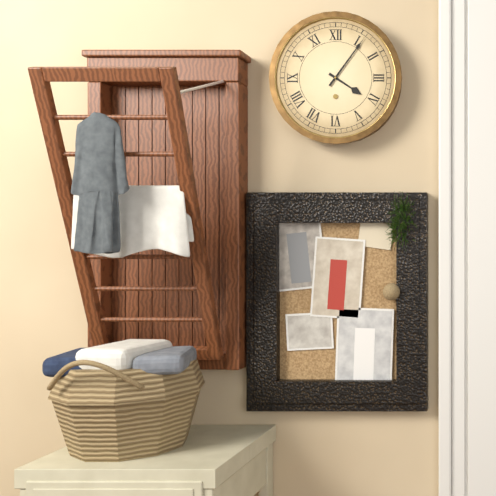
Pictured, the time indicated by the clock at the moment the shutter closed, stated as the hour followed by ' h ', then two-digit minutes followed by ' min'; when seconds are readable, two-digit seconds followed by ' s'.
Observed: 4 h 06 min
